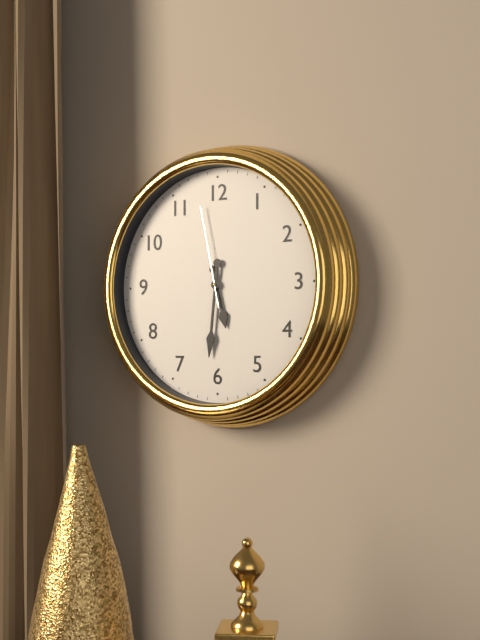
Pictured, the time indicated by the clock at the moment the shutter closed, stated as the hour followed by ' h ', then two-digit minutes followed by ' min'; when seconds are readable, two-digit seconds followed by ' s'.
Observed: 5 h 31 min 58 s
